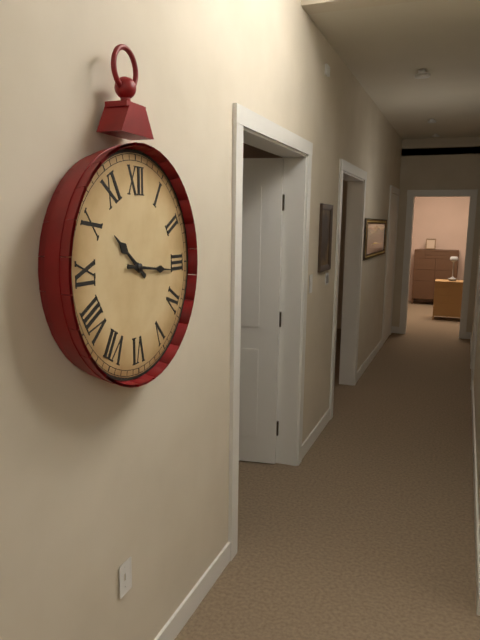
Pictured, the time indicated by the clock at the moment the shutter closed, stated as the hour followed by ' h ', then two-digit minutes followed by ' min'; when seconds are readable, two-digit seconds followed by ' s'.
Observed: 10 h 16 min
